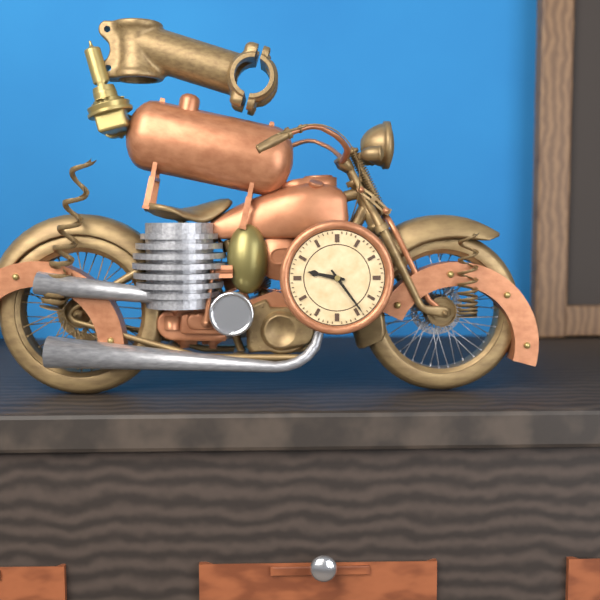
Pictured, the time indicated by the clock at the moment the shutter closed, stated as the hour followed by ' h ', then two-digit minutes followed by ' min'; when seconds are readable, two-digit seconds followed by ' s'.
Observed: 9 h 24 min
